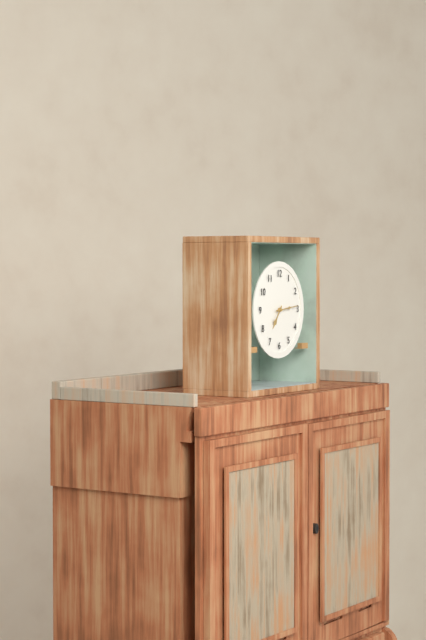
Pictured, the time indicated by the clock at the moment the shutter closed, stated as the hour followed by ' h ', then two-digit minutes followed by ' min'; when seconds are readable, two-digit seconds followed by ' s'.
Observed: 7 h 14 min
